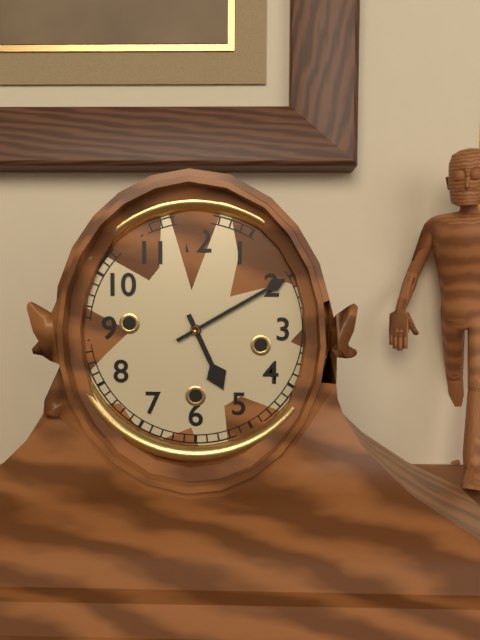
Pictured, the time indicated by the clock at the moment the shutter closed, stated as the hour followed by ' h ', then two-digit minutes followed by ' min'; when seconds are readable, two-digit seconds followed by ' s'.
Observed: 5 h 10 min
